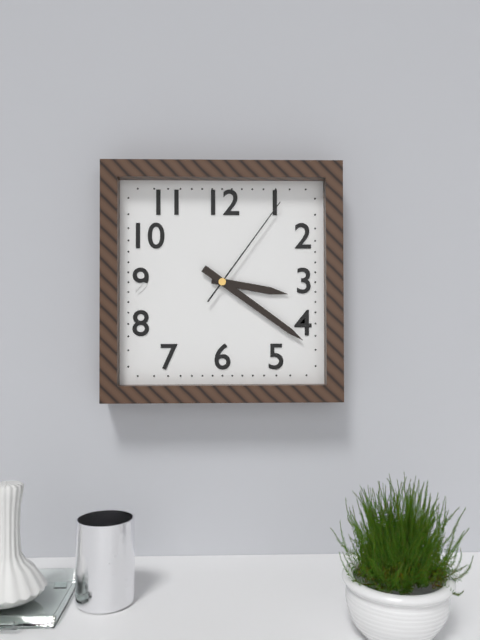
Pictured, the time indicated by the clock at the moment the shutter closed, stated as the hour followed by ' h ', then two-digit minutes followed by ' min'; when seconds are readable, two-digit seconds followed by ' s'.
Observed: 3 h 21 min 06 s
